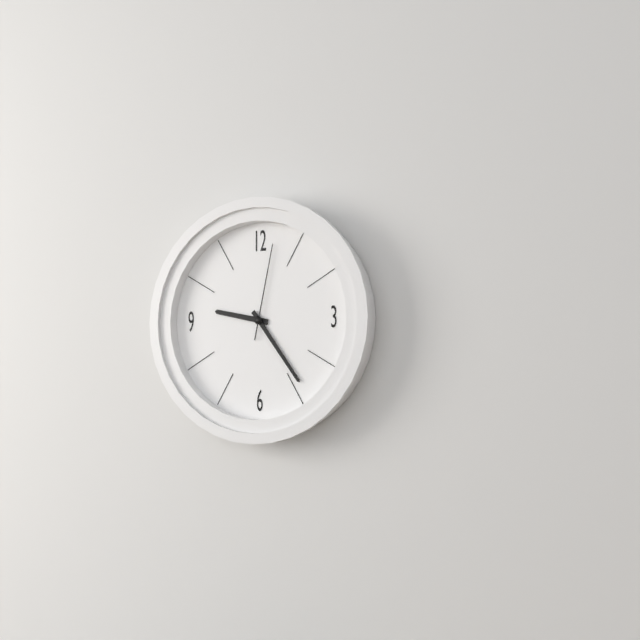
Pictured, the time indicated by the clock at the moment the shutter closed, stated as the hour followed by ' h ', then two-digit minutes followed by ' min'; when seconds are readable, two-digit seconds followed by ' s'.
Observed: 9 h 24 min 02 s
